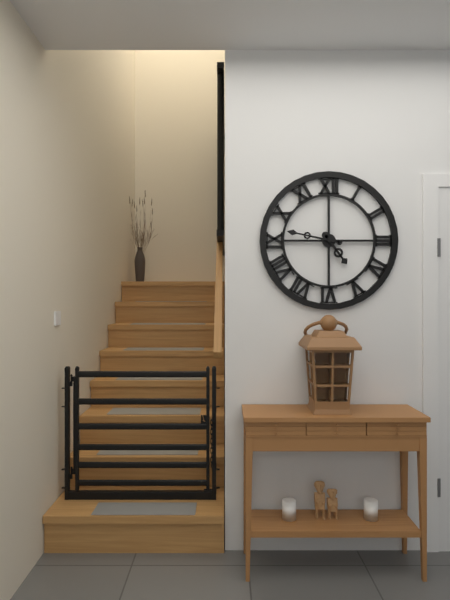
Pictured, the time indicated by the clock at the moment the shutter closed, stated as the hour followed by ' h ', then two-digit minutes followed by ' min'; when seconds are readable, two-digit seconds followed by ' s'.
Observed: 4 h 47 min
